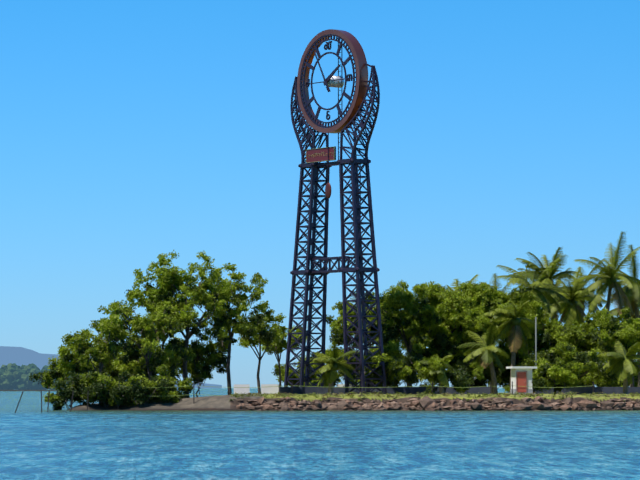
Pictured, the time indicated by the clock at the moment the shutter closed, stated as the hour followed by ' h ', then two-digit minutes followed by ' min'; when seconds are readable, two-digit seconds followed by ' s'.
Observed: 1 h 55 min
